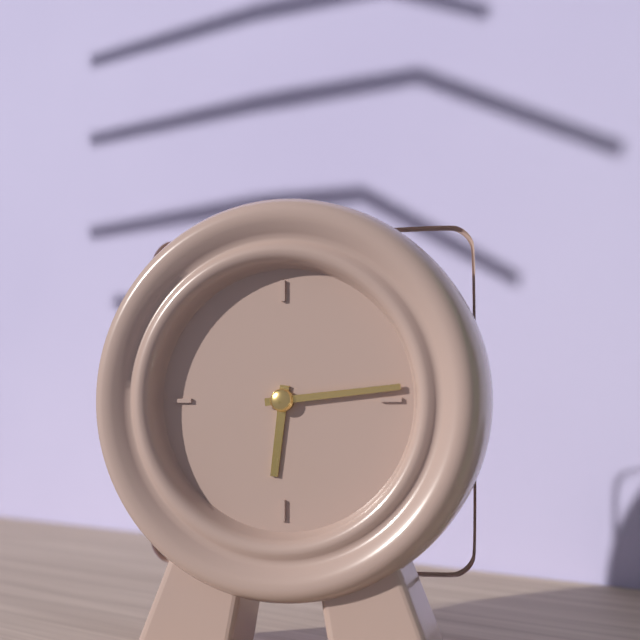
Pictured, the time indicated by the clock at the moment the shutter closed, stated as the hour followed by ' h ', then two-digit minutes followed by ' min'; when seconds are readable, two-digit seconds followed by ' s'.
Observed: 6 h 14 min
